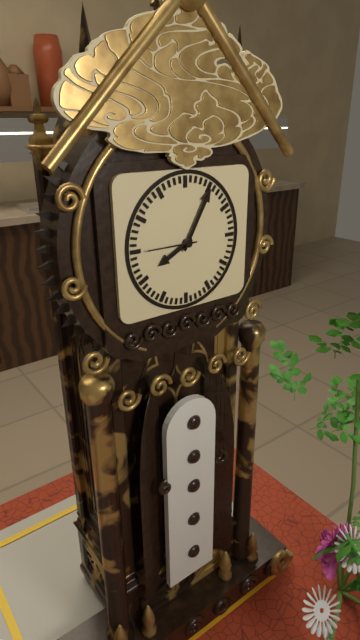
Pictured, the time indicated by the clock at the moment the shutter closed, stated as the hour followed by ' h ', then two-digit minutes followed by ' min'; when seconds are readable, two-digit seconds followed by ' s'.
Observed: 8 h 05 min 45 s
